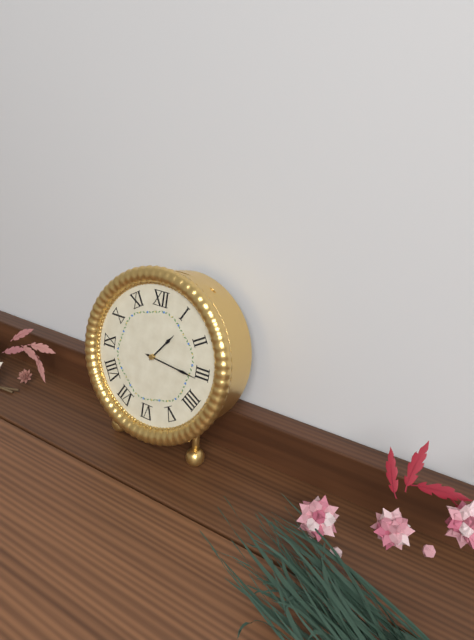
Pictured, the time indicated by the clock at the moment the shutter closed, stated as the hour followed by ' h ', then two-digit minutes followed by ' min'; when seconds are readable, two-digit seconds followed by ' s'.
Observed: 1 h 16 min
